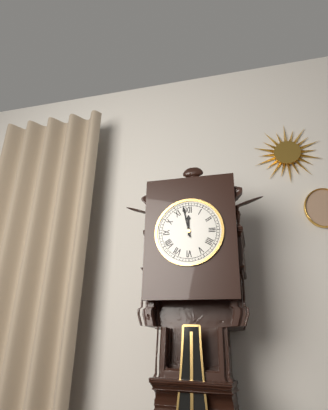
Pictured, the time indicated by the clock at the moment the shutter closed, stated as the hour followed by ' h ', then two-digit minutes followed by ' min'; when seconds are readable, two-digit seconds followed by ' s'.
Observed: 11 h 58 min
